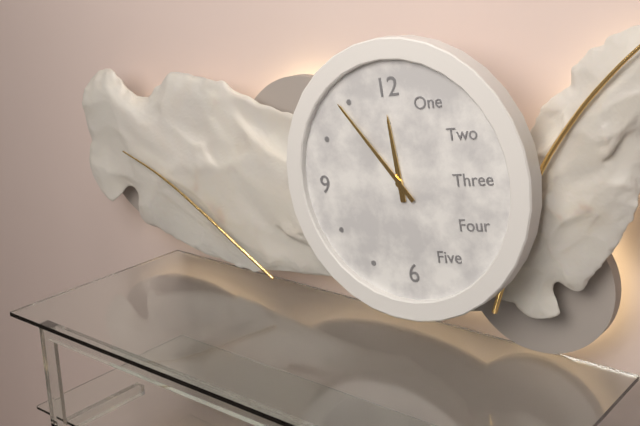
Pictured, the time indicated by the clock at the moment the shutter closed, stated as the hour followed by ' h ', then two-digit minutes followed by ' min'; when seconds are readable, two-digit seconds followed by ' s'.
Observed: 11 h 54 min
